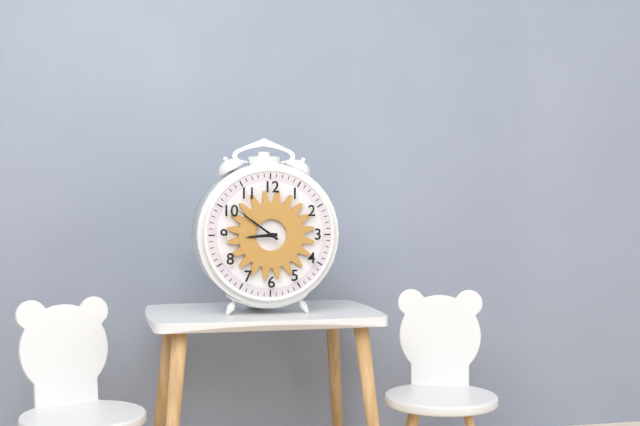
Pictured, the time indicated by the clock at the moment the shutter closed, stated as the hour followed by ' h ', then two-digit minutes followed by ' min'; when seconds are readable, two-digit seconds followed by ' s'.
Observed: 8 h 51 min
